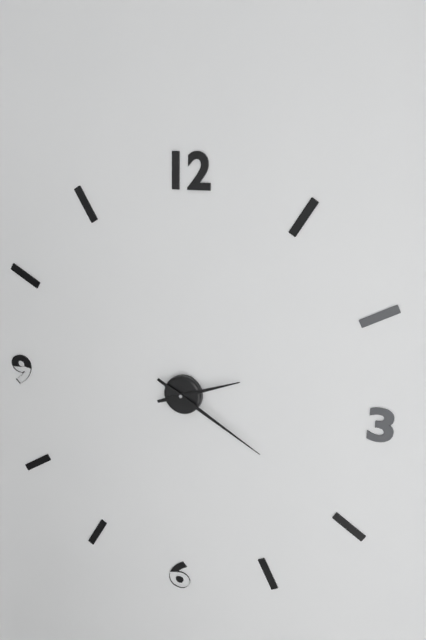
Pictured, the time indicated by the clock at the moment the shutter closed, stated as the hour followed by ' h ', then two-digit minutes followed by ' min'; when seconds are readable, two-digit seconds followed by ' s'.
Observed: 2 h 20 min
